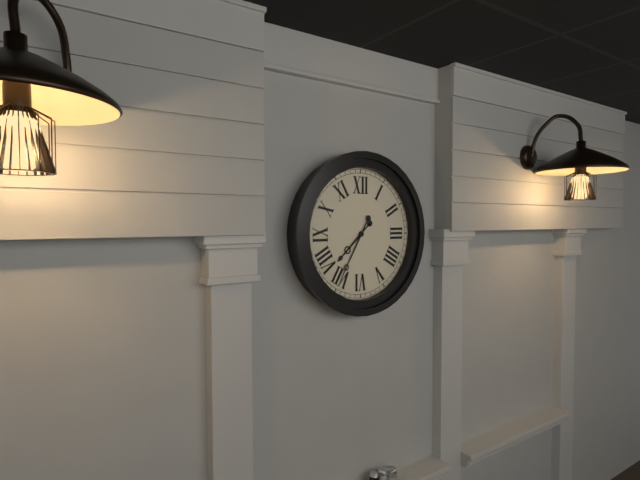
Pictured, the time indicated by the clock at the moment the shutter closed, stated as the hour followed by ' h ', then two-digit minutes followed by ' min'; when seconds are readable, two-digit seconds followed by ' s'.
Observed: 7 h 35 min
